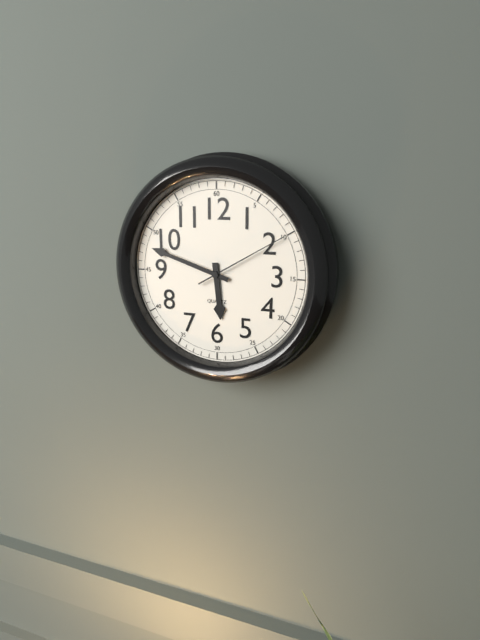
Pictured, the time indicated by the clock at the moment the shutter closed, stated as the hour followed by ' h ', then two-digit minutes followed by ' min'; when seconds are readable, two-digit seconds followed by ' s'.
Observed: 5 h 48 min 10 s
